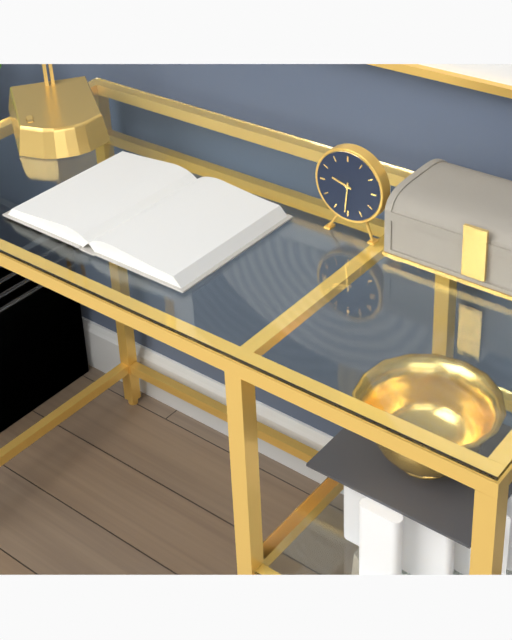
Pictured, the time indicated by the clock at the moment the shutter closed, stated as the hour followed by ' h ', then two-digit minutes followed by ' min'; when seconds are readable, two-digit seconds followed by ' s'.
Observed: 9 h 31 min
